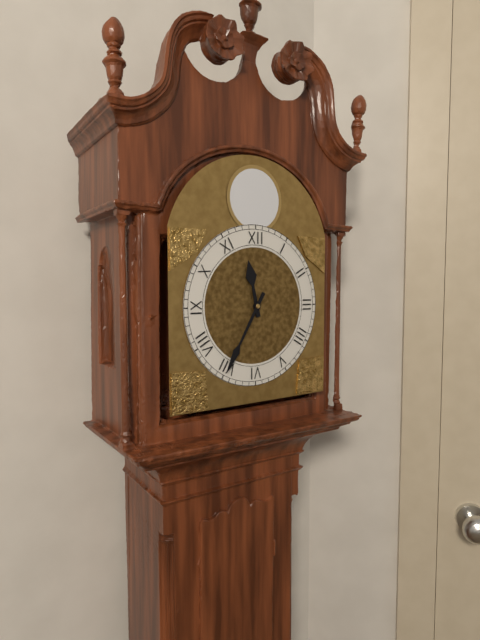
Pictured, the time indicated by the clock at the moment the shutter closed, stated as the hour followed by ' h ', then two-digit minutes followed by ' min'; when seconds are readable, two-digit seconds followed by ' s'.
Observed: 11 h 35 min
